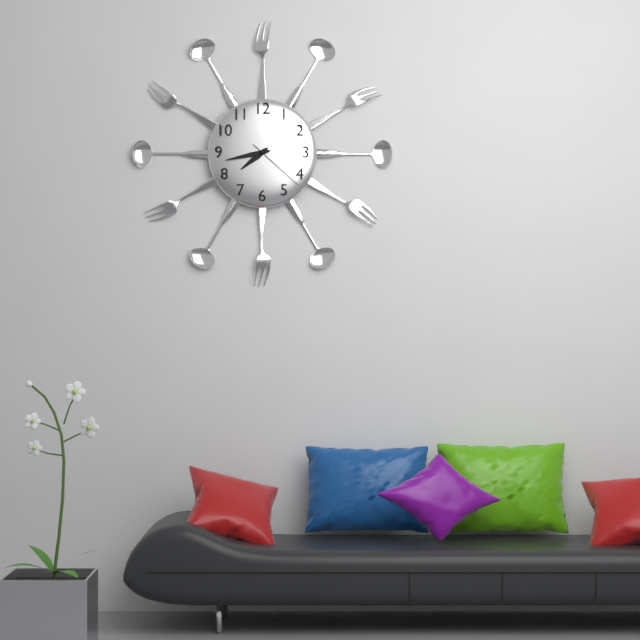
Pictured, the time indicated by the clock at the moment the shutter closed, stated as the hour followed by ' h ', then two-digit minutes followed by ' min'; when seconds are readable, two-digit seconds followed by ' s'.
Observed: 7 h 43 min 22 s
